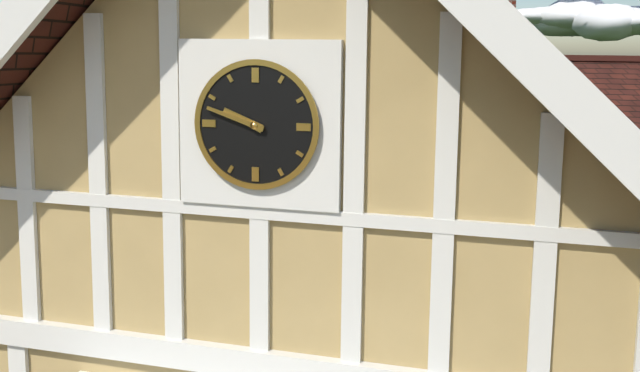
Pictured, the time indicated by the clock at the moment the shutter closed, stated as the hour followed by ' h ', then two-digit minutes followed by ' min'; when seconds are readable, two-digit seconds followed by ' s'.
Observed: 9 h 48 min
